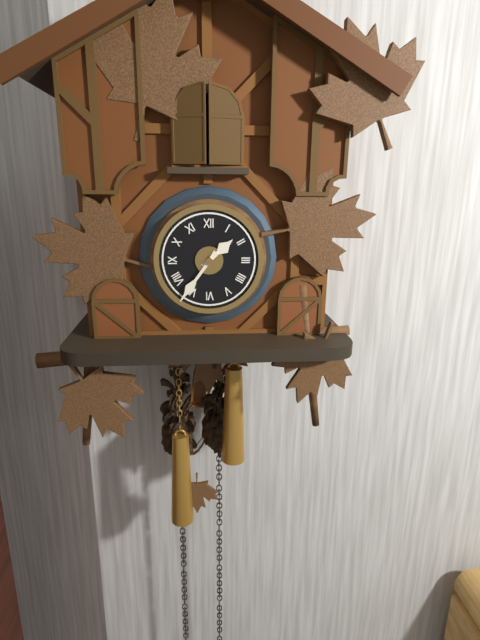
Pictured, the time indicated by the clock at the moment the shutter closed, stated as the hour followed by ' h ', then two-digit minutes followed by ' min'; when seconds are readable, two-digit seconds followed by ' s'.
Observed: 1 h 36 min
